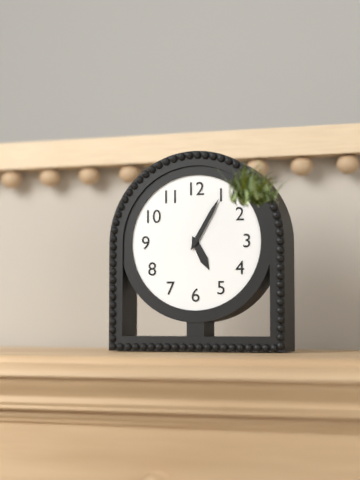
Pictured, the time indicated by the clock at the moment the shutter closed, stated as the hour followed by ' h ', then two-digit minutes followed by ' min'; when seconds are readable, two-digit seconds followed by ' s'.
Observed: 5 h 05 min
